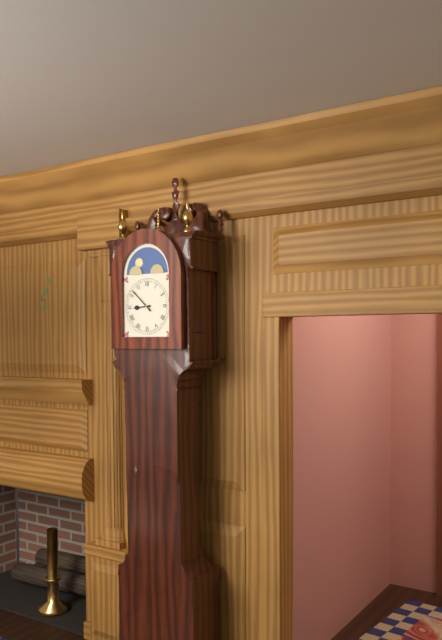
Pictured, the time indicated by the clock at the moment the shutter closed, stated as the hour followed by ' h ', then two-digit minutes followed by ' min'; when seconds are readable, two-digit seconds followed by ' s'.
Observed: 8 h 52 min
